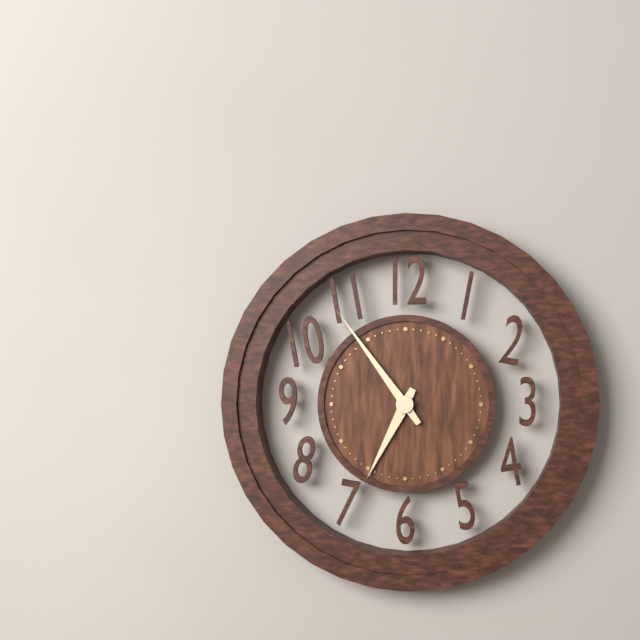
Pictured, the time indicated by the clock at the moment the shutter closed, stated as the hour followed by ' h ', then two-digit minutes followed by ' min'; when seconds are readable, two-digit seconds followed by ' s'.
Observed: 6 h 54 min
